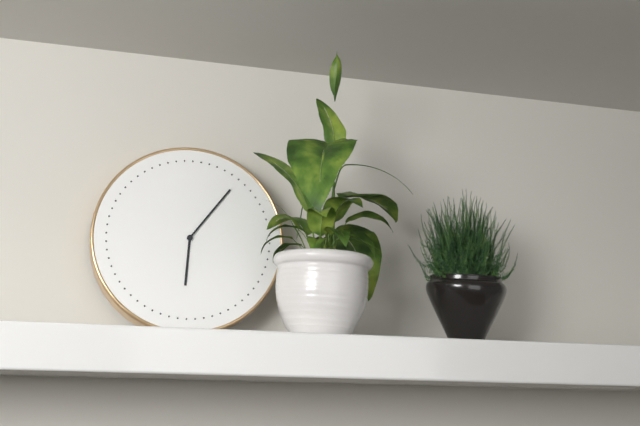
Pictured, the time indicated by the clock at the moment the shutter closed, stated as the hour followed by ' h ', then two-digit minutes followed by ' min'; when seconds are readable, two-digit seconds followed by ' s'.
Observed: 6 h 06 min
